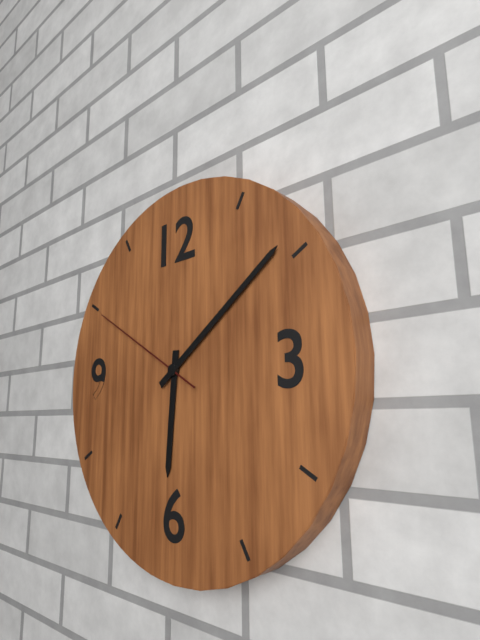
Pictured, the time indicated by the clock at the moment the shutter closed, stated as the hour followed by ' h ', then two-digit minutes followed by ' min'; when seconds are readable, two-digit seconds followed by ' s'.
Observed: 6 h 09 min 50 s
